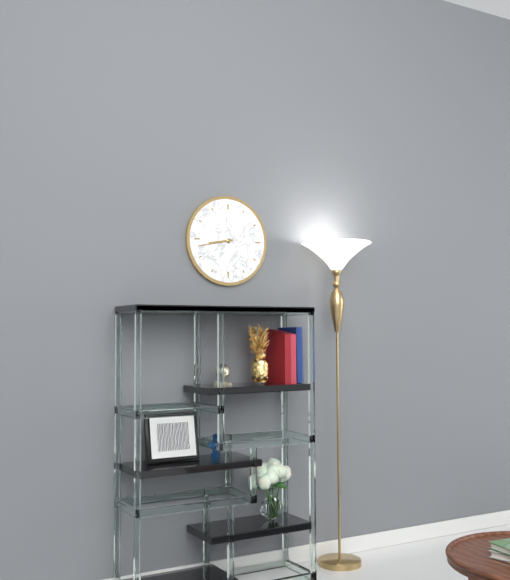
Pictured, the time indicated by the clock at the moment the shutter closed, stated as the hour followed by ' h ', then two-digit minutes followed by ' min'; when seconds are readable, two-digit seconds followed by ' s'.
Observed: 8 h 43 min
